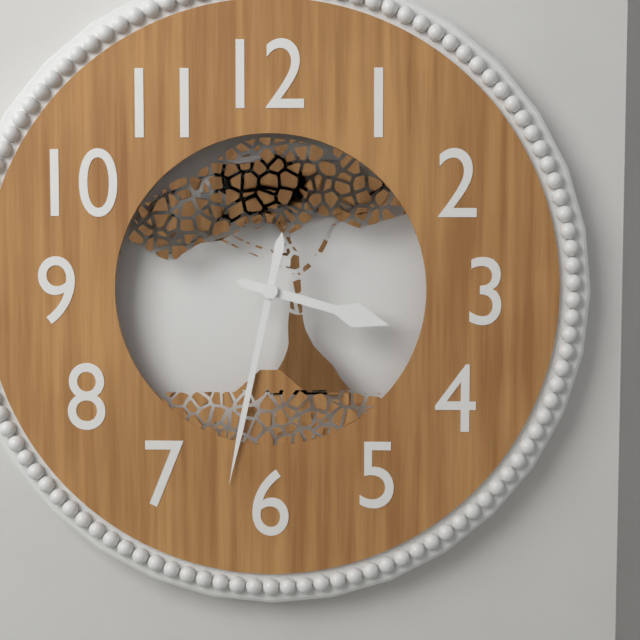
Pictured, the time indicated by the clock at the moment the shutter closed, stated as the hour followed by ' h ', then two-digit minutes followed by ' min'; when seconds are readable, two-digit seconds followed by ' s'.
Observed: 3 h 32 min
